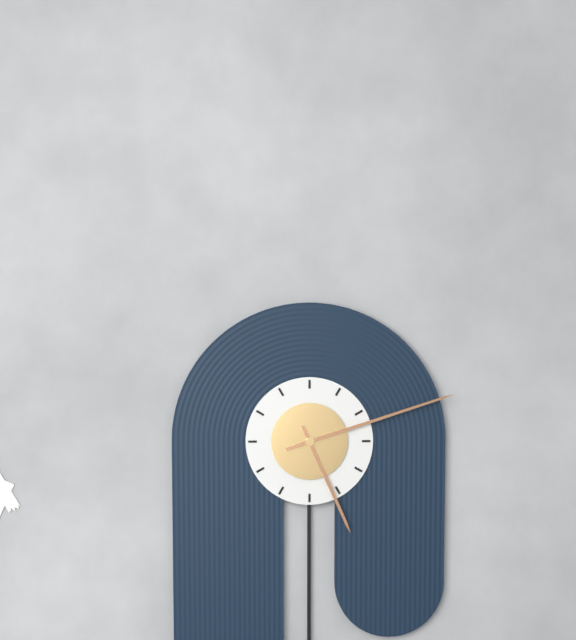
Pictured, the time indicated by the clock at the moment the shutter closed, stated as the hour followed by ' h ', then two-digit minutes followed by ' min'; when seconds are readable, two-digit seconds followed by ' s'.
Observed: 5 h 12 min
